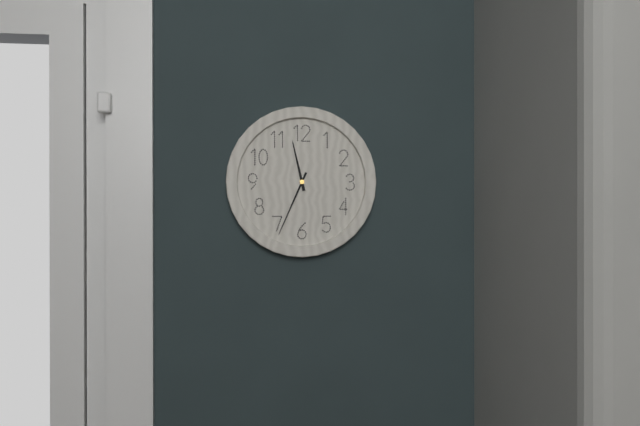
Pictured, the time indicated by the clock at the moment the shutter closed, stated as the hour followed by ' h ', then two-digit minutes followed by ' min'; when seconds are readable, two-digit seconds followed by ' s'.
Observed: 11 h 34 min
